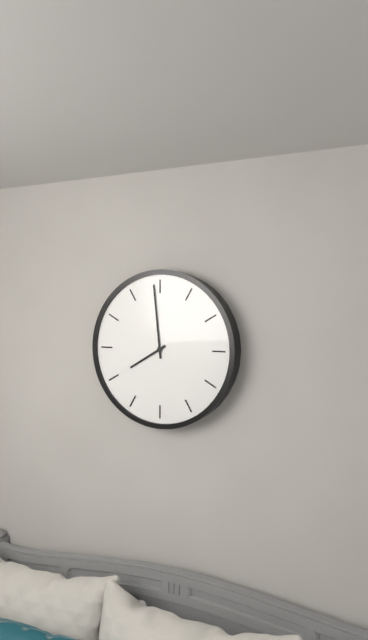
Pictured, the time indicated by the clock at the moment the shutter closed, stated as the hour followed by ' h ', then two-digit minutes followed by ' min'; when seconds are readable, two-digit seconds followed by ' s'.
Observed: 7 h 59 min
